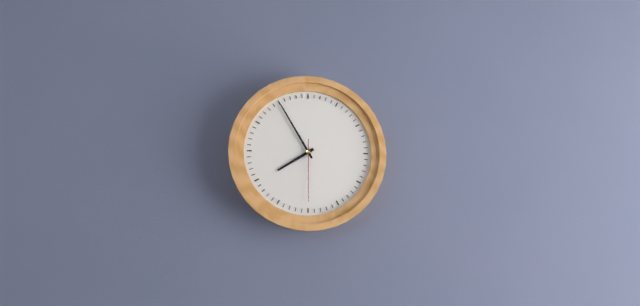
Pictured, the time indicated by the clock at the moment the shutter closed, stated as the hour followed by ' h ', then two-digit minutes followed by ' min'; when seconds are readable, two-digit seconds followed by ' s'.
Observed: 7 h 55 min 30 s
